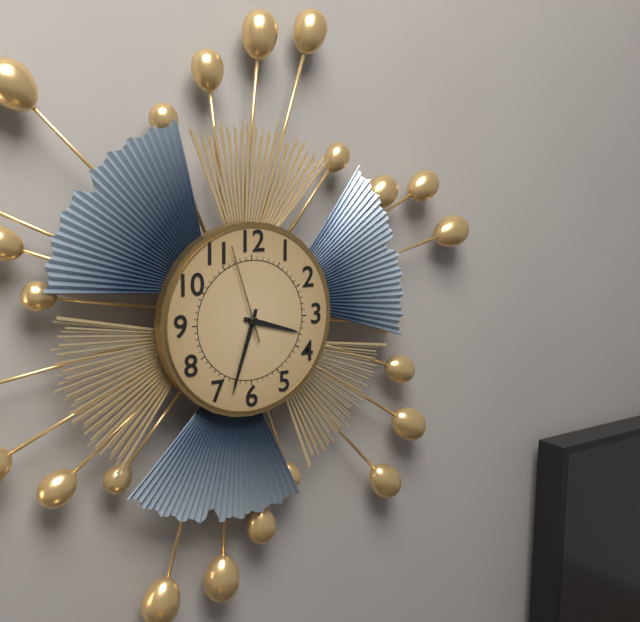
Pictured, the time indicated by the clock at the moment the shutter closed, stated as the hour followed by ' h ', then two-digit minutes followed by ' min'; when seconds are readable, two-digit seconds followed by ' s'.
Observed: 3 h 33 min 57 s
